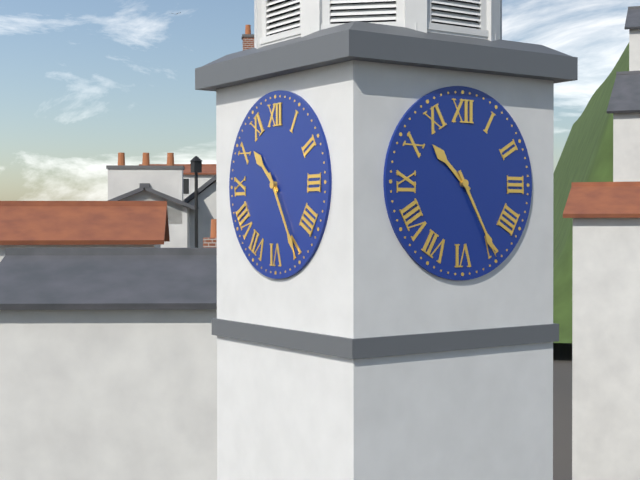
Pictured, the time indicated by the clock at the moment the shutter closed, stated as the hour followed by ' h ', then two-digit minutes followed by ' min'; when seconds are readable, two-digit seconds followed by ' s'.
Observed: 10 h 25 min
